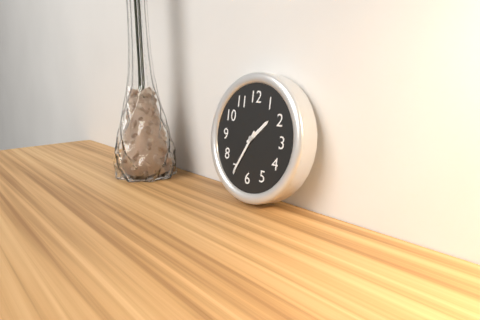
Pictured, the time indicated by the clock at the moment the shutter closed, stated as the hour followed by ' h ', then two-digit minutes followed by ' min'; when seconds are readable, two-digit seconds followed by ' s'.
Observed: 1 h 35 min
